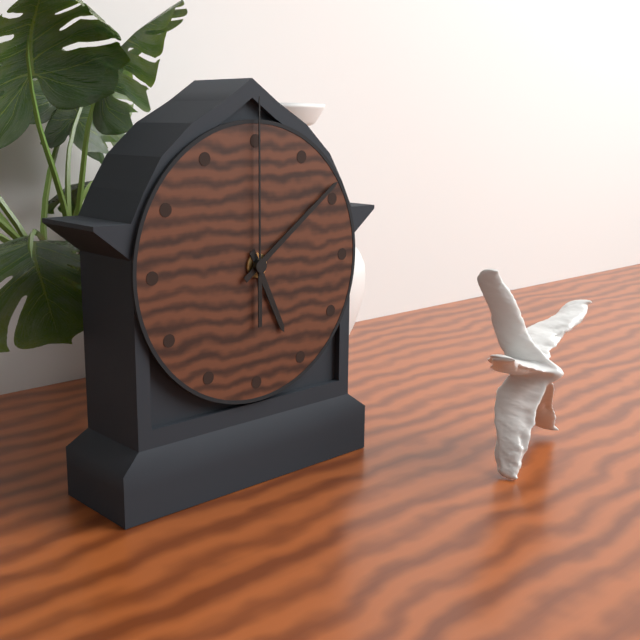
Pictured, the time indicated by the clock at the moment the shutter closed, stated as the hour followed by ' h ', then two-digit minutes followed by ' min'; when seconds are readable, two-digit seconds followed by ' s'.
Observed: 5 h 09 min 00 s
